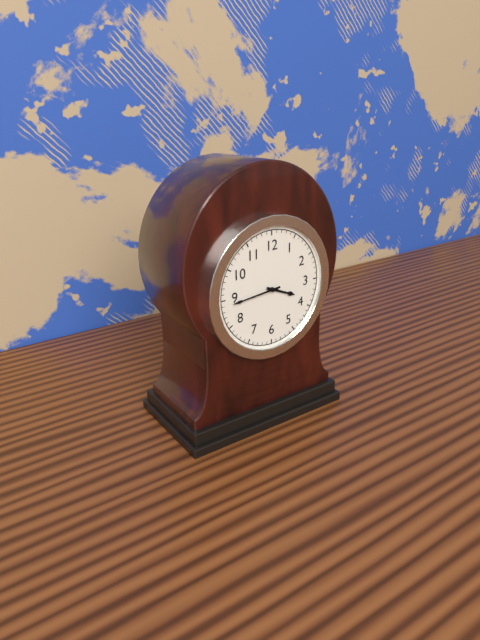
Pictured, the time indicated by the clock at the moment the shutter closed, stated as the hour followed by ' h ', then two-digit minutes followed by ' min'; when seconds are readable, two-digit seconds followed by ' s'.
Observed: 3 h 44 min
